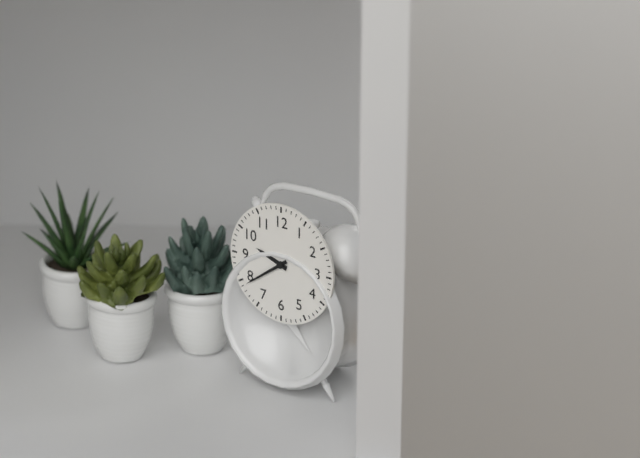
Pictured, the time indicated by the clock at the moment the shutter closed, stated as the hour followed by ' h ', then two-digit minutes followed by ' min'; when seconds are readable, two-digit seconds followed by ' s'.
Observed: 9 h 39 min
